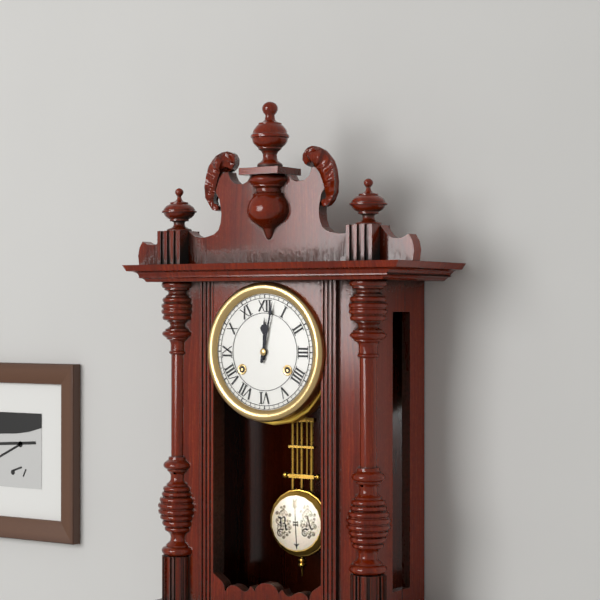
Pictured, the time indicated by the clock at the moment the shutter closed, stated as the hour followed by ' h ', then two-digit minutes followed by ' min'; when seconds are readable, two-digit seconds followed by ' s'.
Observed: 12 h 02 min
